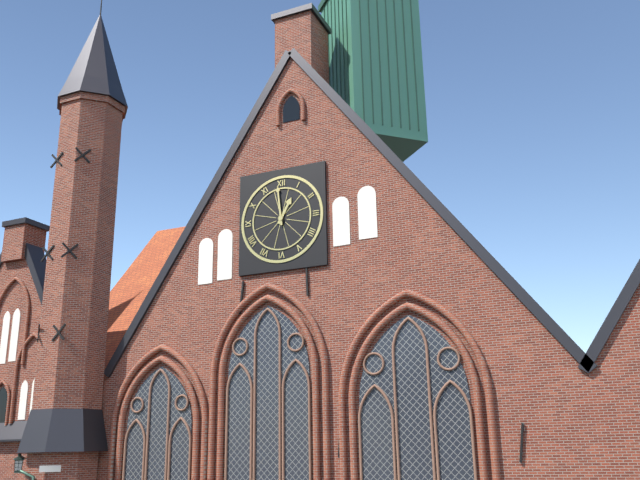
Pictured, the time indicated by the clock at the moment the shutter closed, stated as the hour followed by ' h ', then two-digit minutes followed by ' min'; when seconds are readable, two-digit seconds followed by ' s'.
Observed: 12 h 59 min
